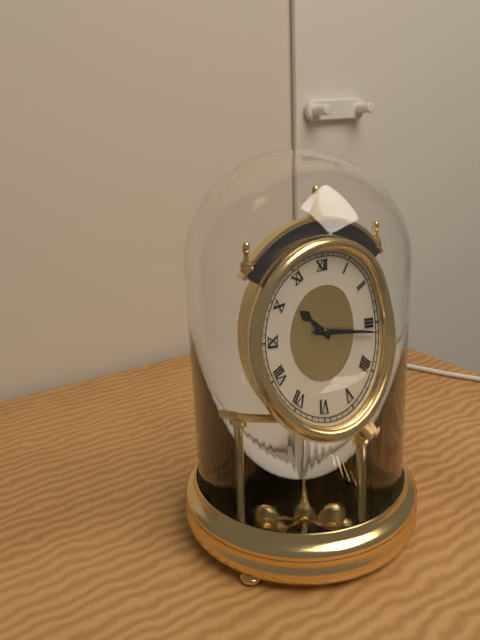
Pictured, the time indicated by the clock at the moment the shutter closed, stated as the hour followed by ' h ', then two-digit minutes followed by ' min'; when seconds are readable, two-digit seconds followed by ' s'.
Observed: 10 h 16 min
